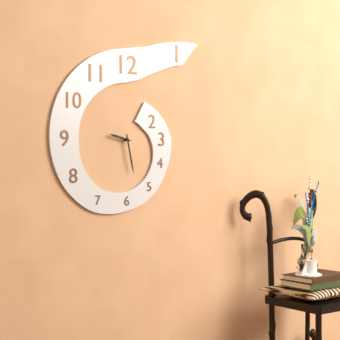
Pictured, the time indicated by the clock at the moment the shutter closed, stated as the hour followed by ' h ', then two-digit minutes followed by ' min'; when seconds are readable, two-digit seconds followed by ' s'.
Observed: 9 h 28 min
